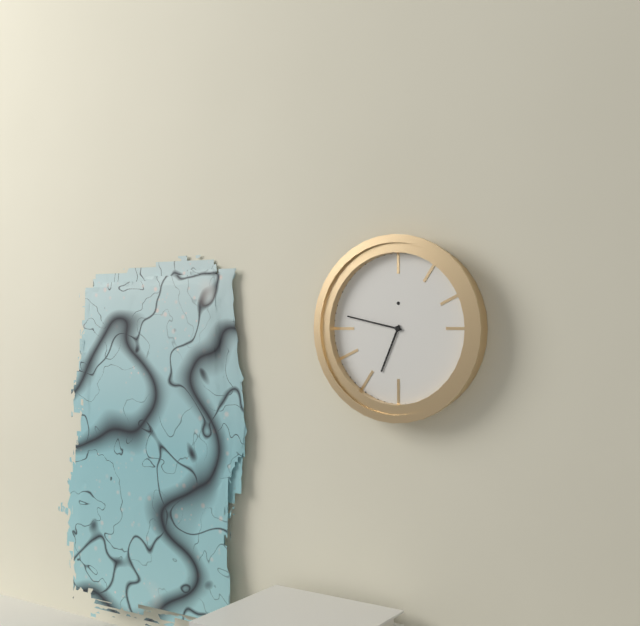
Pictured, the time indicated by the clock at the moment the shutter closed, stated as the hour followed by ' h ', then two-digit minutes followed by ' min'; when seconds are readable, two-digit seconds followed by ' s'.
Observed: 6 h 47 min
